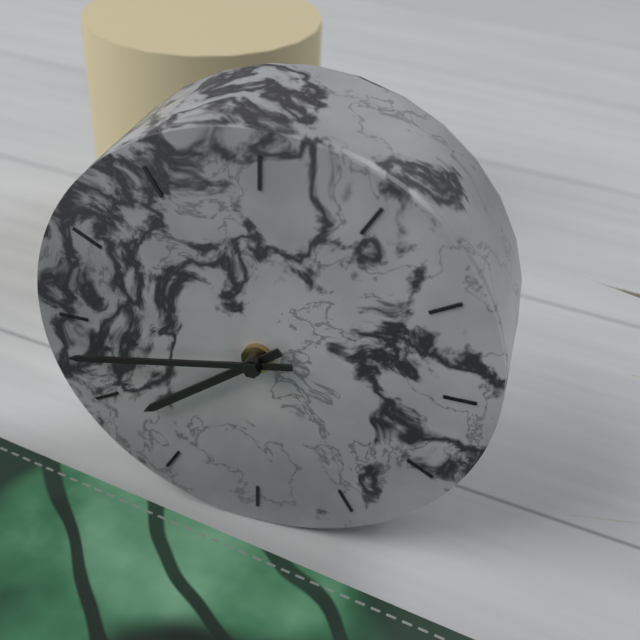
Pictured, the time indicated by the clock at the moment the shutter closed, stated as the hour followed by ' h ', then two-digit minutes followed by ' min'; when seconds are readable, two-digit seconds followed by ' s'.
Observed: 7 h 43 min
